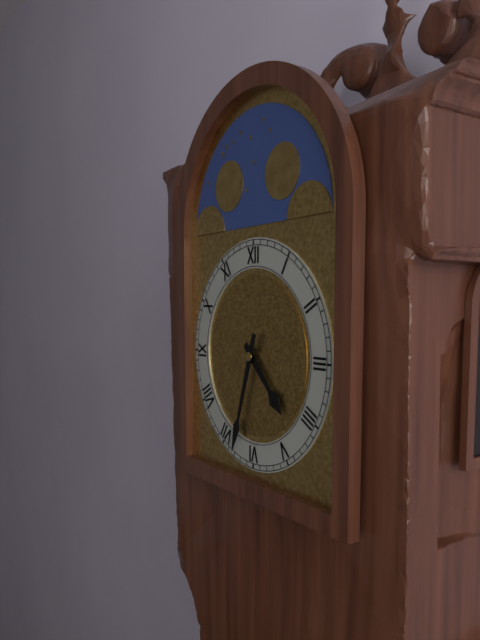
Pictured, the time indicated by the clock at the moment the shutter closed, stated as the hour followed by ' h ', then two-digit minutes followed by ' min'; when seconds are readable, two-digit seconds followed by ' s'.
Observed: 4 h 33 min
